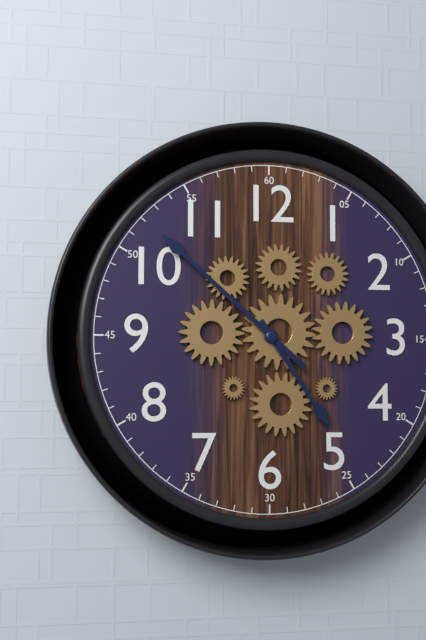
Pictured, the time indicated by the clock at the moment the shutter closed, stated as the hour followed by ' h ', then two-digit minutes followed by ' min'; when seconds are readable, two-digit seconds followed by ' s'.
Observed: 4 h 52 min
